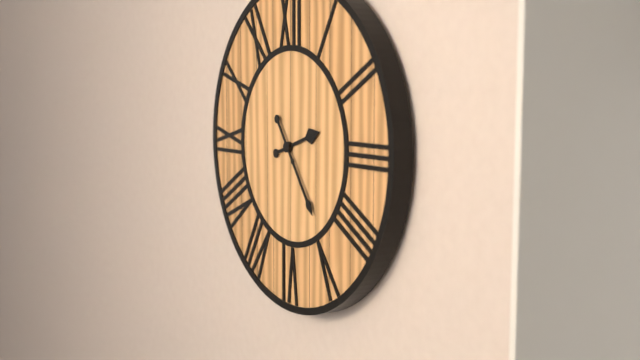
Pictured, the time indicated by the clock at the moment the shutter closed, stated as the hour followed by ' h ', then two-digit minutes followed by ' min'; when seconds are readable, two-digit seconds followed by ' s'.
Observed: 2 h 24 min
